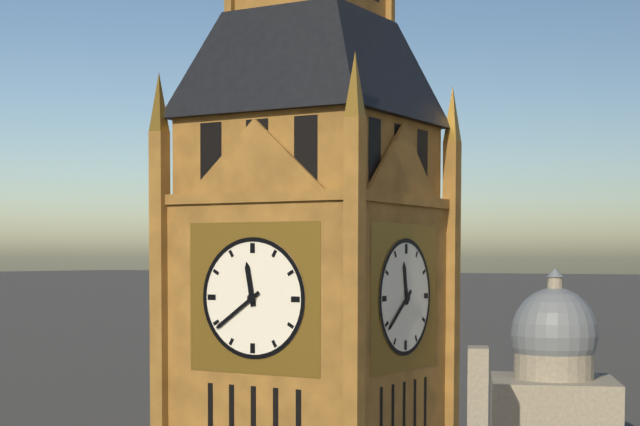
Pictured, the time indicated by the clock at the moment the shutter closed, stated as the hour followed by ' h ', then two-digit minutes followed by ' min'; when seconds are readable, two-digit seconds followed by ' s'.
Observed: 11 h 39 min
